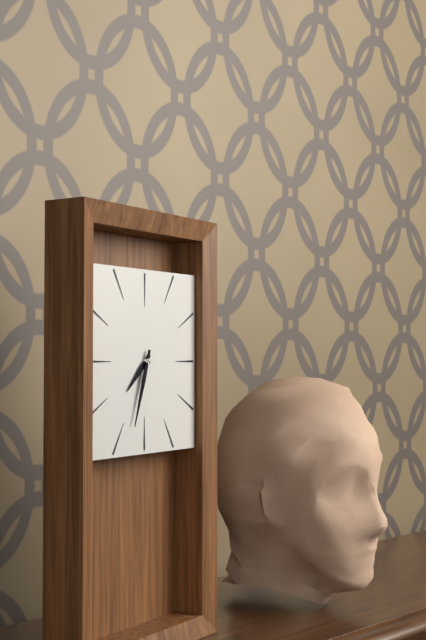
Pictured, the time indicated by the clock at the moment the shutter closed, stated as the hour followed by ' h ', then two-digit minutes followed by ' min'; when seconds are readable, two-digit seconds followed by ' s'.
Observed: 7 h 33 min
